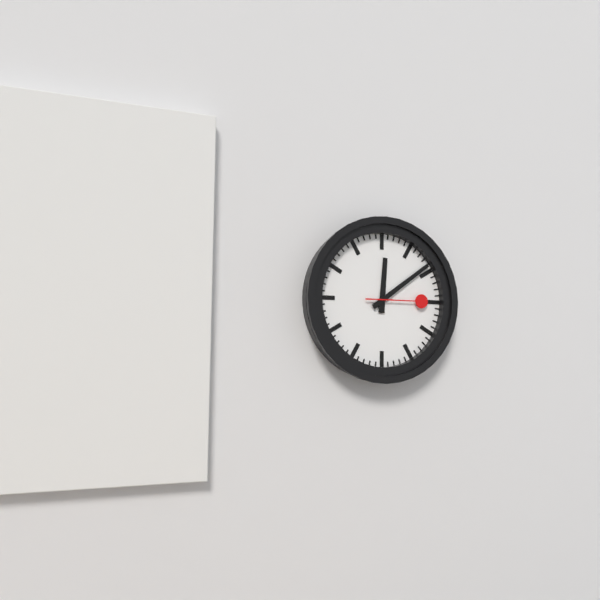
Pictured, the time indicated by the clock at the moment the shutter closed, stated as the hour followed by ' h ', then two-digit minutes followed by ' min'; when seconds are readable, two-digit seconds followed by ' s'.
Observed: 12 h 09 min 15 s
